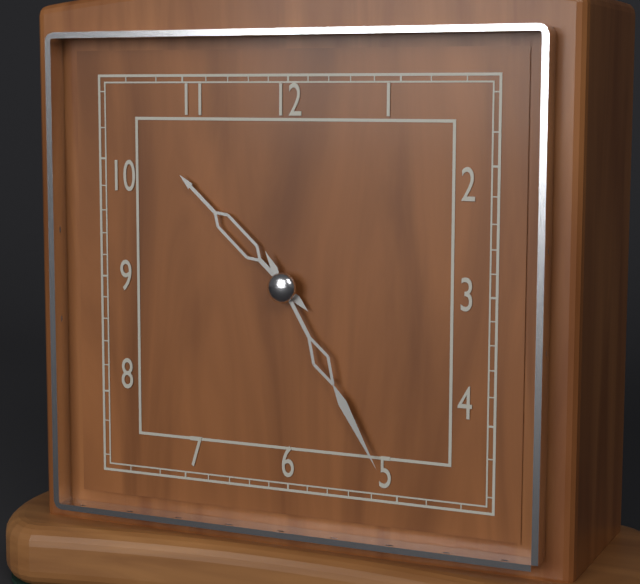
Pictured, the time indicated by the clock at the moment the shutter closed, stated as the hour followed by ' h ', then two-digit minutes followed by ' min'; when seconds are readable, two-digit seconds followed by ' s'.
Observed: 10 h 25 min
